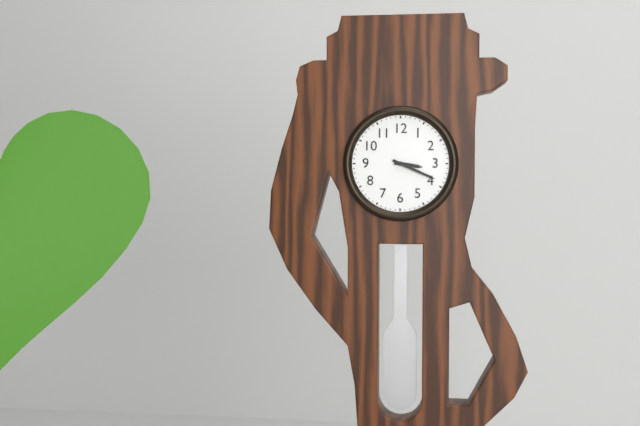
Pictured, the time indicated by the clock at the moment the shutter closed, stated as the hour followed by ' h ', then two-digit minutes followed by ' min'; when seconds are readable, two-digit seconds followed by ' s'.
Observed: 3 h 19 min
